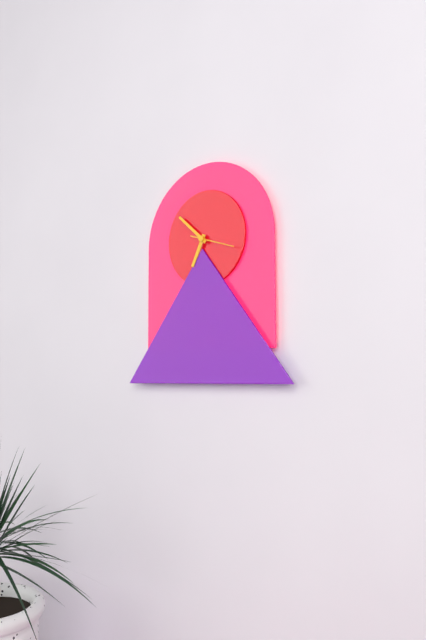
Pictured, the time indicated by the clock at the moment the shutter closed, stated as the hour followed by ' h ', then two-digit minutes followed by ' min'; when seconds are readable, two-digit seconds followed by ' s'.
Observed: 6 h 52 min
